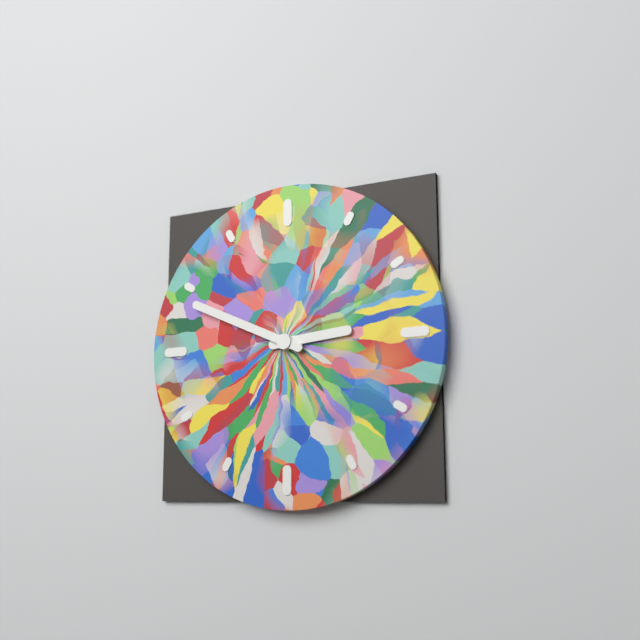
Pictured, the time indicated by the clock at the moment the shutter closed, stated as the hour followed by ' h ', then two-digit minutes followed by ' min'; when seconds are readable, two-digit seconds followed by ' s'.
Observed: 2 h 49 min
